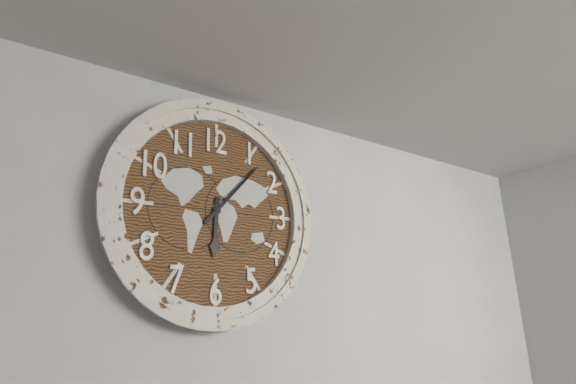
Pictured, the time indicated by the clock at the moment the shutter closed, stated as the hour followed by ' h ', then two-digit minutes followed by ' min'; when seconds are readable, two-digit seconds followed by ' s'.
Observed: 6 h 07 min
